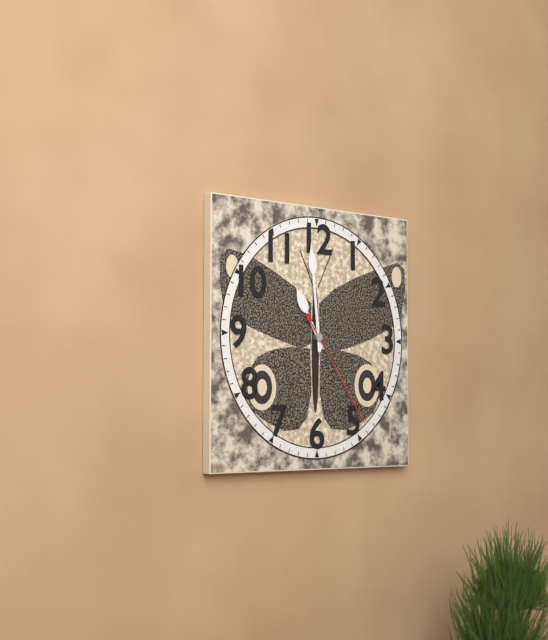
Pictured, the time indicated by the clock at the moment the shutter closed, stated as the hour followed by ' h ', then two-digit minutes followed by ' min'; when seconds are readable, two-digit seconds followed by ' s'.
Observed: 10 h 59 min 24 s
